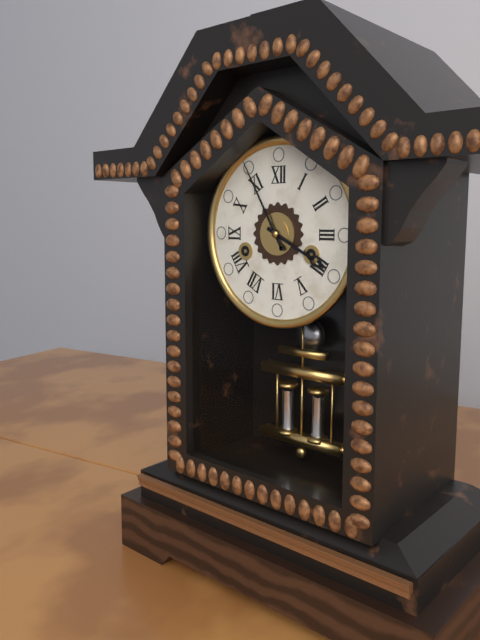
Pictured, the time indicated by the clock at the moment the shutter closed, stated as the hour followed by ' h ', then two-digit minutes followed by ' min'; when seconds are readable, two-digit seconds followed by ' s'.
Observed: 3 h 55 min
